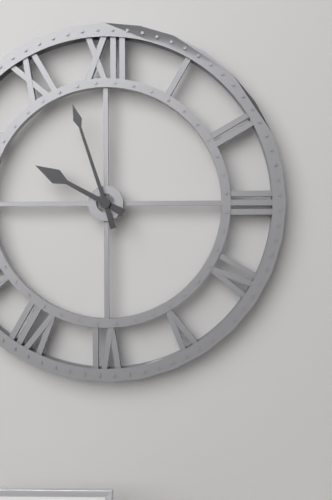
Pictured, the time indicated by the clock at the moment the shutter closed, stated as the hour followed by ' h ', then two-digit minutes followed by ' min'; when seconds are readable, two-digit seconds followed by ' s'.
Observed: 9 h 57 min
